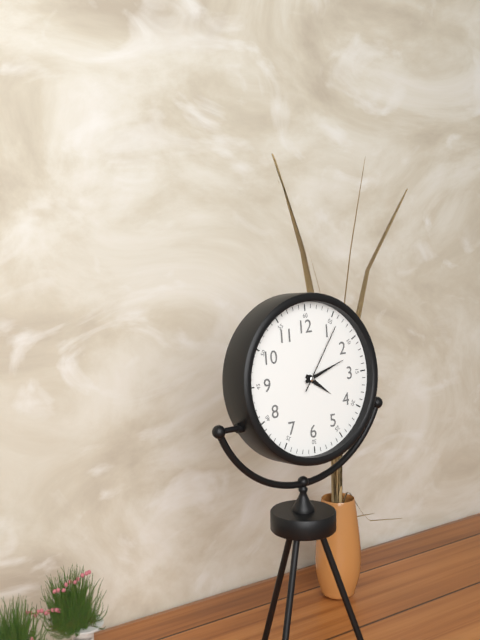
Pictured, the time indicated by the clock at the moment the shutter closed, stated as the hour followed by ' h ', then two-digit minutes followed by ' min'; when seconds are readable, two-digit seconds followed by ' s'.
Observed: 4 h 12 min 06 s
